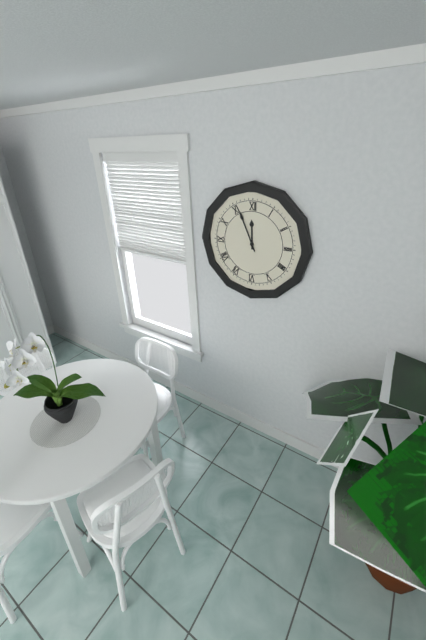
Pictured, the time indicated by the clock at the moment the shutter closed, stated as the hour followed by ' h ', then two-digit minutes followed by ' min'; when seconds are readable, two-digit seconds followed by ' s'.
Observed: 11 h 56 min
